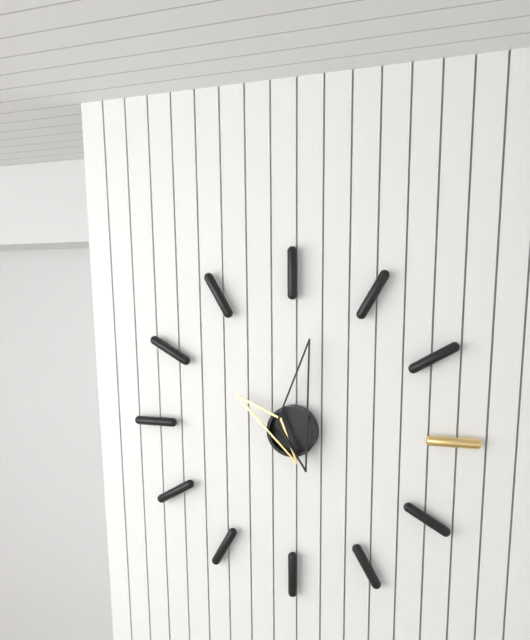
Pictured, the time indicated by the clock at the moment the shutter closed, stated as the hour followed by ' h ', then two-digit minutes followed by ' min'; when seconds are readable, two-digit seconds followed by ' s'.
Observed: 10 h 02 min
